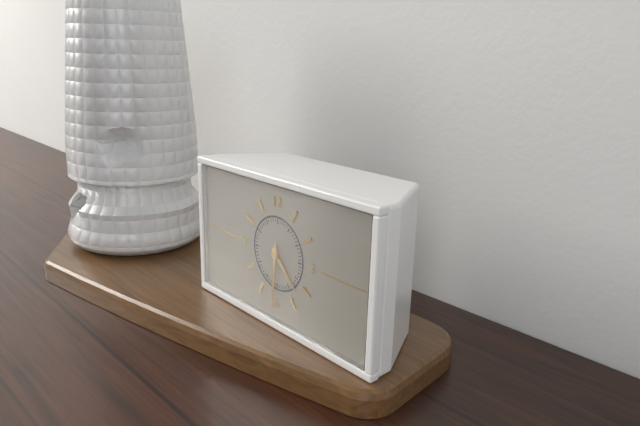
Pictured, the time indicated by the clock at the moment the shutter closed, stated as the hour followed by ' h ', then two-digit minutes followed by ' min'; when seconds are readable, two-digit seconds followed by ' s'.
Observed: 4 h 31 min
